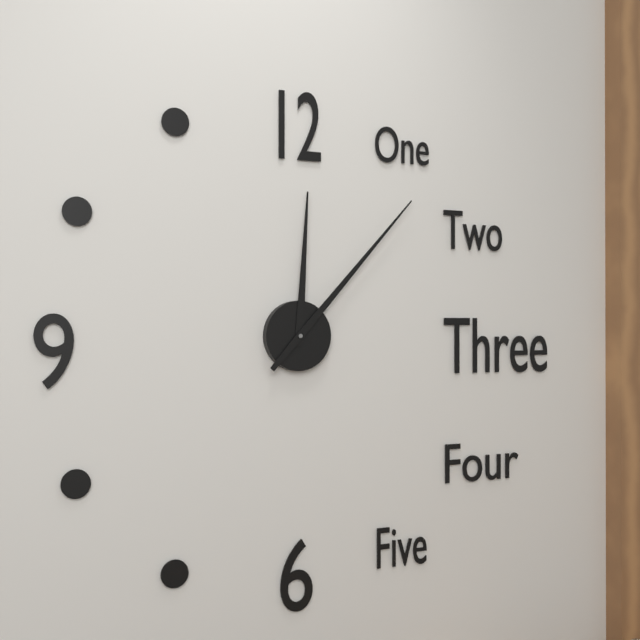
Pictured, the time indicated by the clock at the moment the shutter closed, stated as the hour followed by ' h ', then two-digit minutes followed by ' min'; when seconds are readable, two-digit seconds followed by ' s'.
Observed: 12 h 07 min
